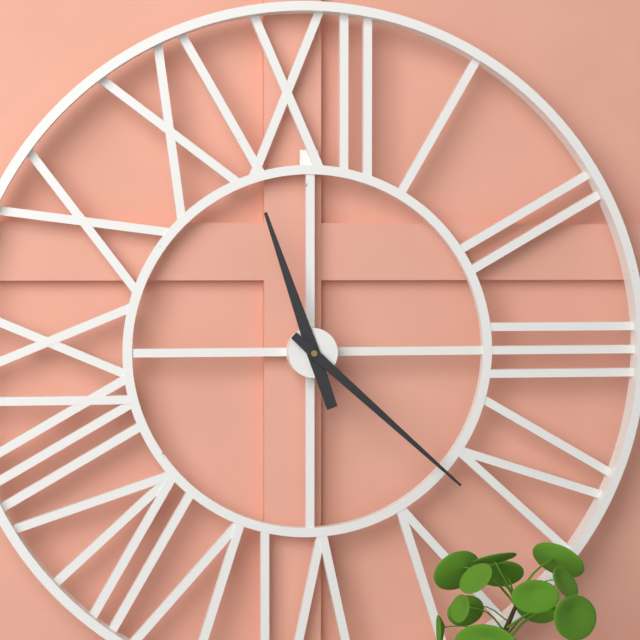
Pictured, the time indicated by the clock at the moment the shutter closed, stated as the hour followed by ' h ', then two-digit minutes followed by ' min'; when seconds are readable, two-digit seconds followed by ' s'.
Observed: 11 h 22 min
